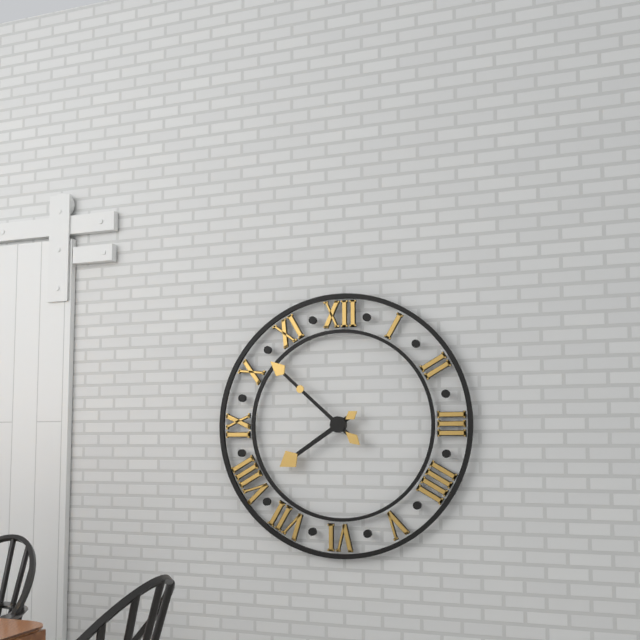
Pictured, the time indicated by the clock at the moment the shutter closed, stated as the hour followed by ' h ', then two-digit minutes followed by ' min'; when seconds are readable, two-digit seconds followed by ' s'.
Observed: 7 h 52 min
